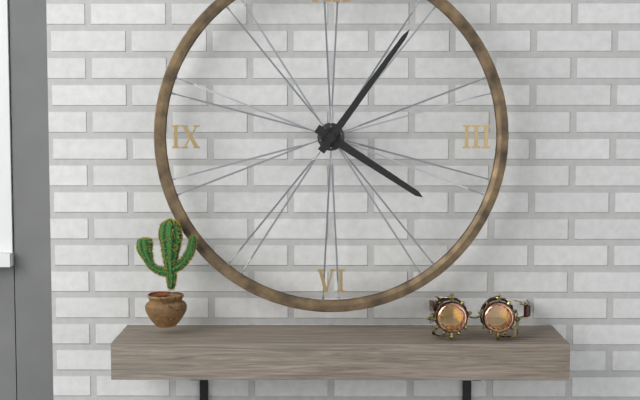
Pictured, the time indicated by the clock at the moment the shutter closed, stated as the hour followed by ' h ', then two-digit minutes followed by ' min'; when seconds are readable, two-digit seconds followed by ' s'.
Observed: 4 h 06 min
